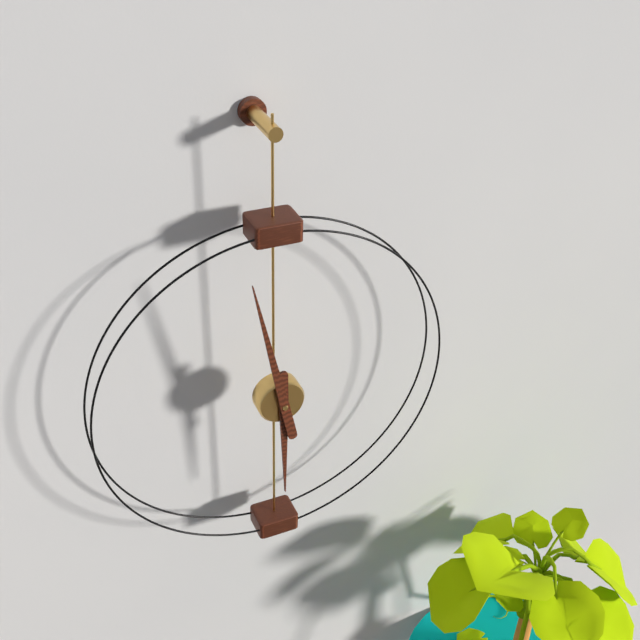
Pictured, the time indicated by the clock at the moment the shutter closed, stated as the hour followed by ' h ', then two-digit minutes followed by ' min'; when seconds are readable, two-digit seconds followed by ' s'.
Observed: 5 h 58 min
